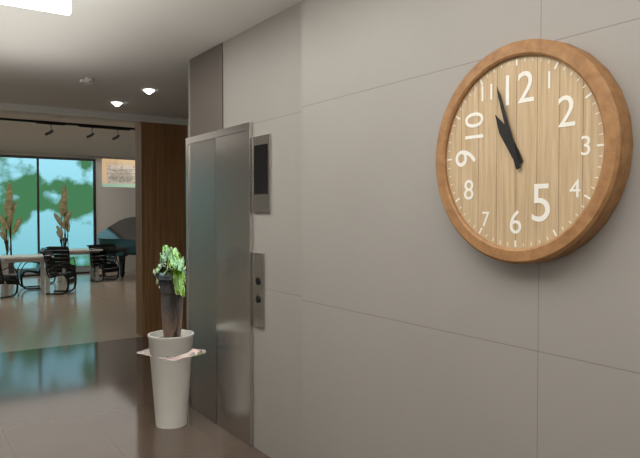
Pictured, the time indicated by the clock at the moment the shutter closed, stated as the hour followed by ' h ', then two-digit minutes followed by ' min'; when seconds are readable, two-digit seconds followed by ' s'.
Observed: 10 h 57 min
